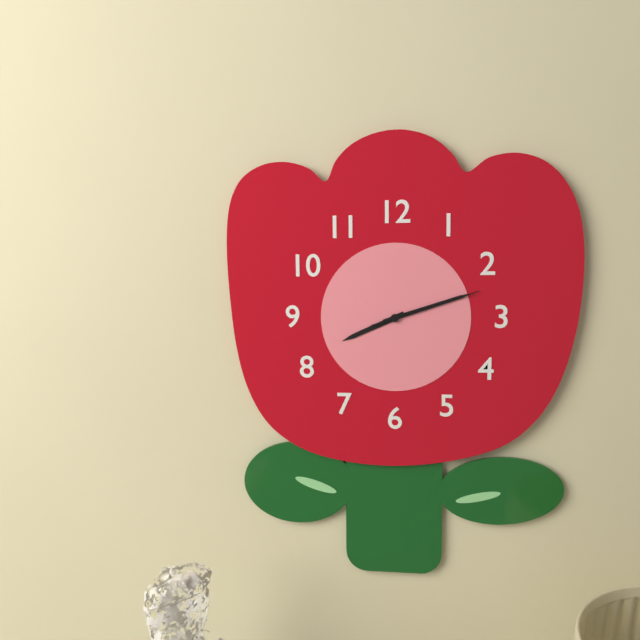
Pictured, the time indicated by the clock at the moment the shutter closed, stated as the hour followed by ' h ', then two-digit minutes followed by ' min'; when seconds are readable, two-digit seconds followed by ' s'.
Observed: 8 h 12 min 12 s
